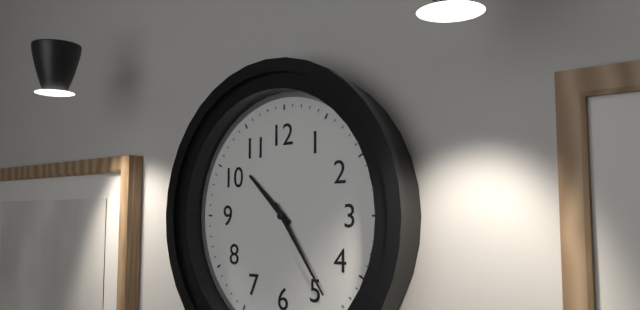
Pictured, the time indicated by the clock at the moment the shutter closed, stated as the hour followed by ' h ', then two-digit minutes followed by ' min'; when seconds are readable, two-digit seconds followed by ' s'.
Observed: 10 h 24 min
